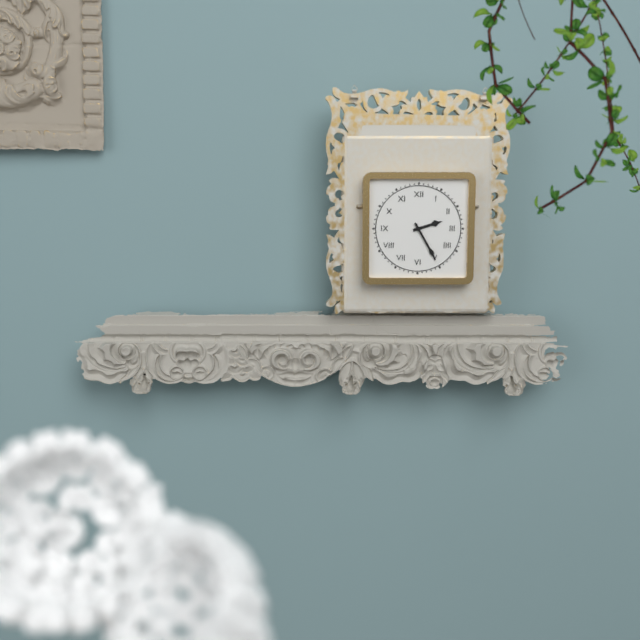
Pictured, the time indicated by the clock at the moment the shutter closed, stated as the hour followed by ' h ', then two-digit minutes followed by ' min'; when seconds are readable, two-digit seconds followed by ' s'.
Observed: 2 h 25 min
